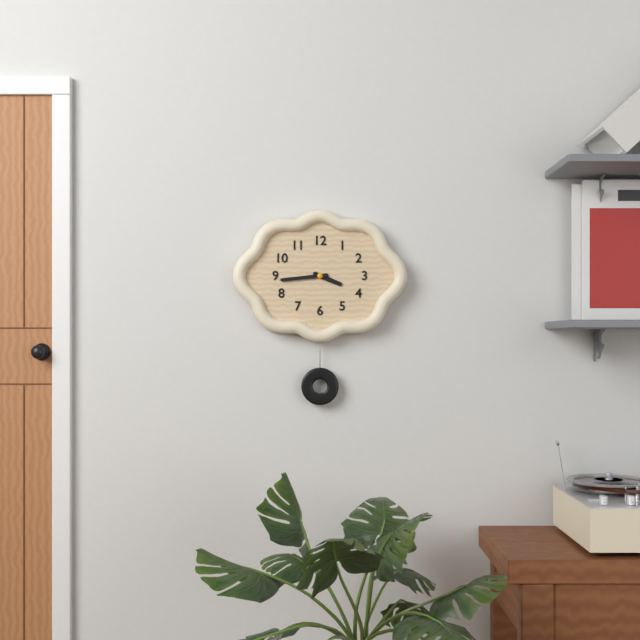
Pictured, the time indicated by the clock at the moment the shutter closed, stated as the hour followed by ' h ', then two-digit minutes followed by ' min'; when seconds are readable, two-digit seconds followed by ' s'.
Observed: 3 h 44 min
